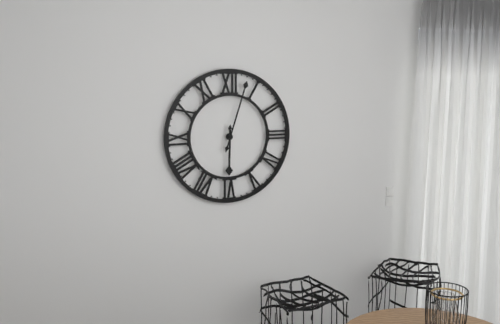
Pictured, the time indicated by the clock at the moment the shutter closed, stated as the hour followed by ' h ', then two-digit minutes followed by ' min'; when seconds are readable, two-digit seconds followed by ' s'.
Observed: 6 h 03 min
